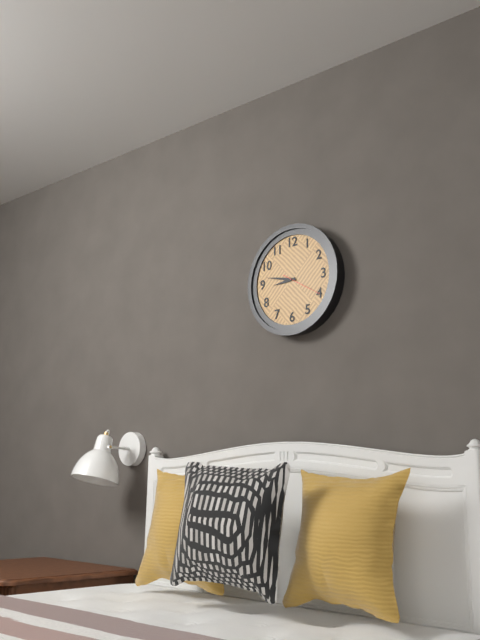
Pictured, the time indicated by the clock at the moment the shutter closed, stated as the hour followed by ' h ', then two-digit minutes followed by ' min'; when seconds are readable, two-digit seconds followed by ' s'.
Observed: 8 h 47 min
